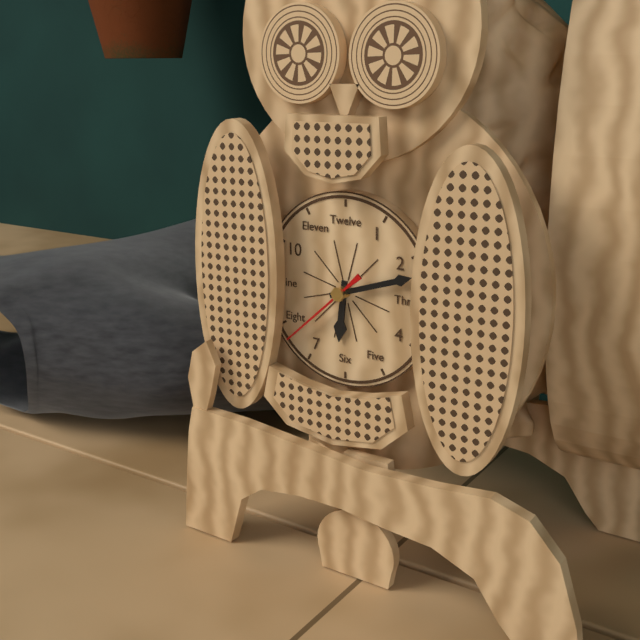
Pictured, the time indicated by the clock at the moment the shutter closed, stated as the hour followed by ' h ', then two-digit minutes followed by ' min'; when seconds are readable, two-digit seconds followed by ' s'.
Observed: 6 h 12 min 38 s
